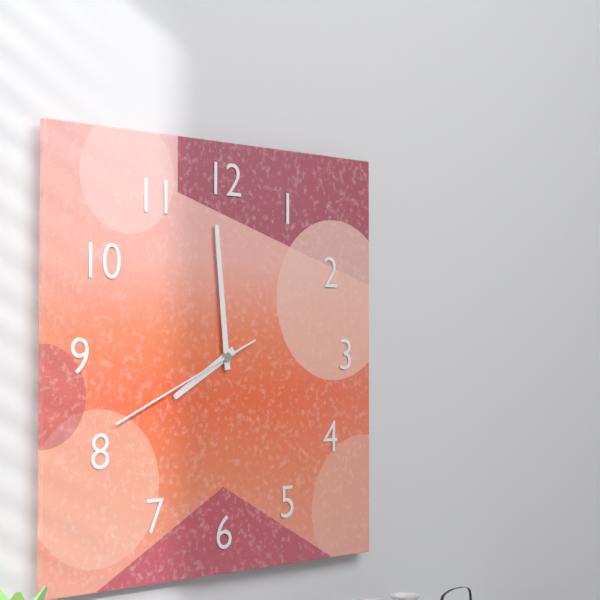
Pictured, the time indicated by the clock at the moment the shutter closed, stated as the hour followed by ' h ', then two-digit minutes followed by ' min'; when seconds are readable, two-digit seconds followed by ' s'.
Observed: 7 h 59 min 41 s
